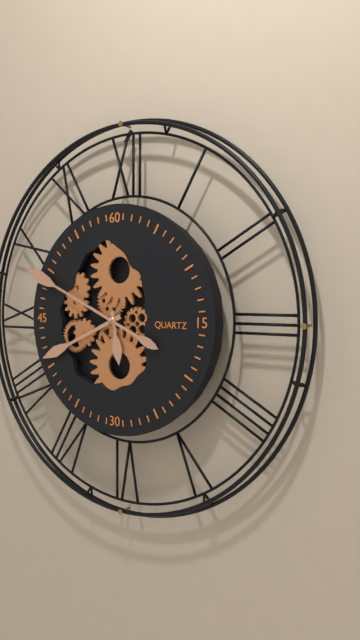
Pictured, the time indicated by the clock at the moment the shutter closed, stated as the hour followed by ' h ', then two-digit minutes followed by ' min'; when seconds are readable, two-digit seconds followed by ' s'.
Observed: 5 h 41 min 49 s
